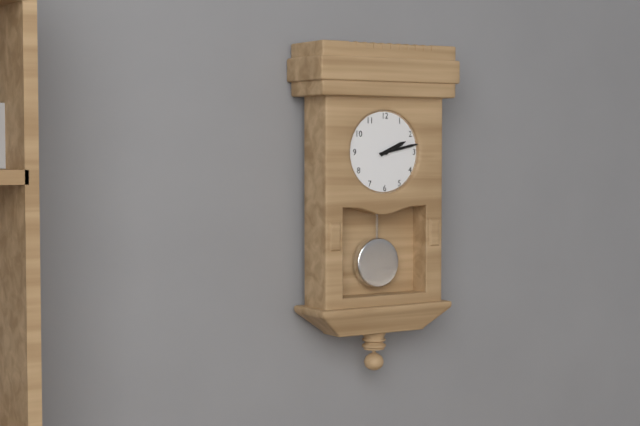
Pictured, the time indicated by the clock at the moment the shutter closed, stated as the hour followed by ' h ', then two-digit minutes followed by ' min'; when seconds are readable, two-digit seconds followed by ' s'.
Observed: 2 h 13 min
